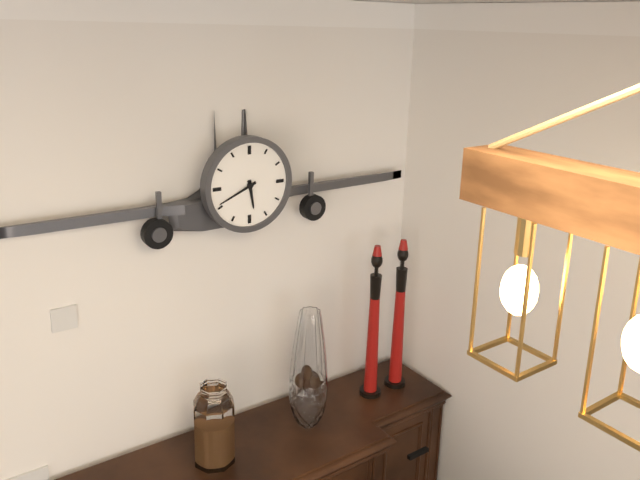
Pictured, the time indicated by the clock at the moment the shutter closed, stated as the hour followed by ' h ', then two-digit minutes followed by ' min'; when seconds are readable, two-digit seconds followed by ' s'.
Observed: 5 h 41 min
